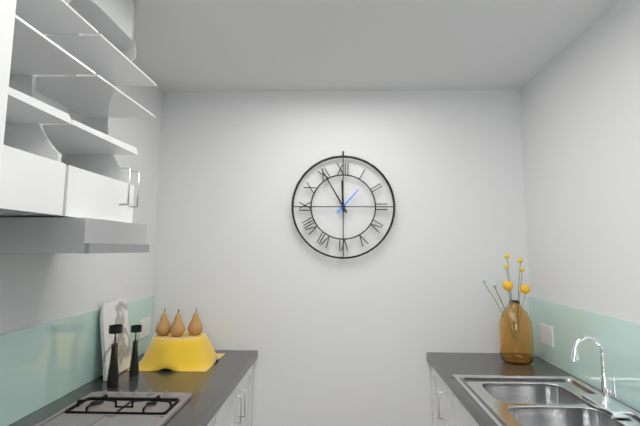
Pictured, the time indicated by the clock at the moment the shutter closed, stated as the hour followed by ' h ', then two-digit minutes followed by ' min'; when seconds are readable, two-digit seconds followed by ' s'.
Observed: 11 h 55 min
